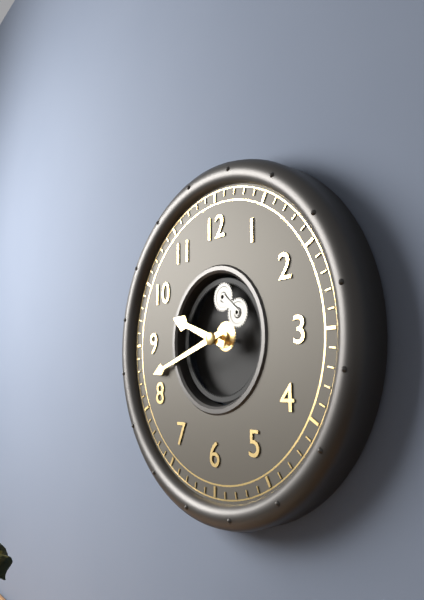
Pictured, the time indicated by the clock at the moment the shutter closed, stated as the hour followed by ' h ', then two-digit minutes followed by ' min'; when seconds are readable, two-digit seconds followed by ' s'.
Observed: 9 h 42 min
